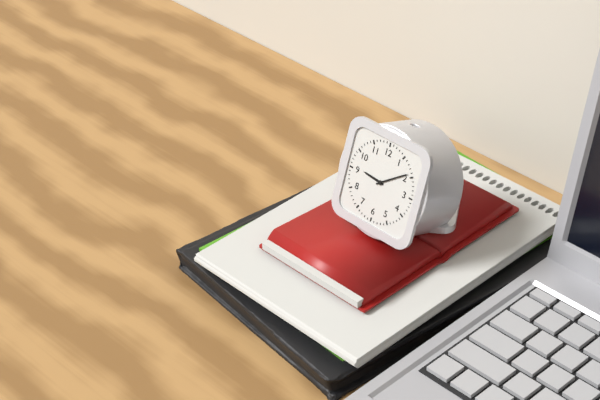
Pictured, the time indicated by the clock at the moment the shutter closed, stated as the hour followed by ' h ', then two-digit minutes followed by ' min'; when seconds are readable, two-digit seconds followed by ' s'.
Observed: 9 h 09 min
